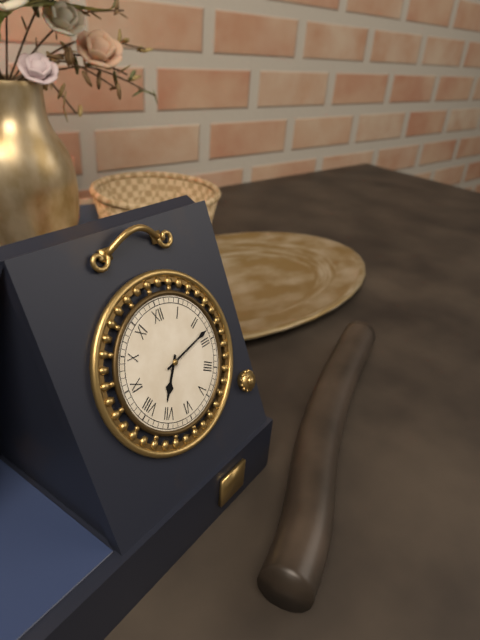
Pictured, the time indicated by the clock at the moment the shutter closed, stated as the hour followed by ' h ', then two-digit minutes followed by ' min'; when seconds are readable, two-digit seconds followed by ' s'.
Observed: 7 h 13 min
